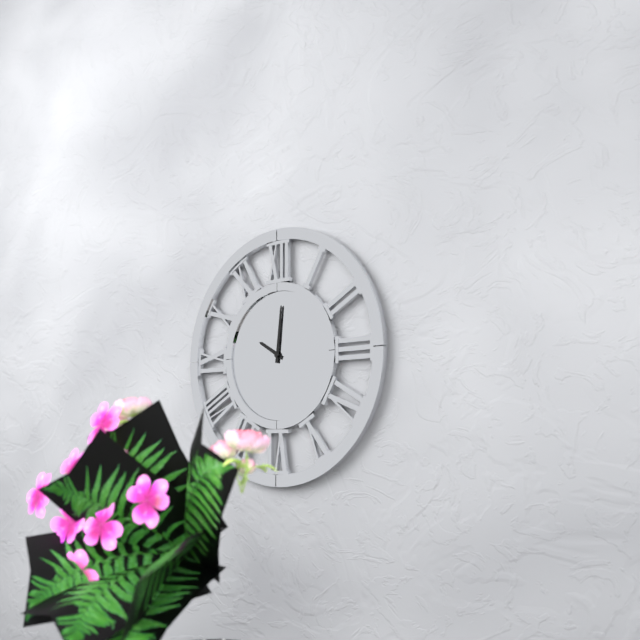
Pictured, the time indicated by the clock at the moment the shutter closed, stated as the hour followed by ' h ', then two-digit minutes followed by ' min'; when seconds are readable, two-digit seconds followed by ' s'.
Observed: 10 h 01 min
